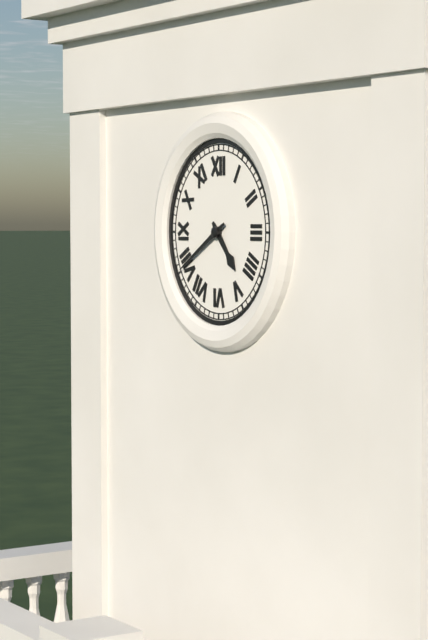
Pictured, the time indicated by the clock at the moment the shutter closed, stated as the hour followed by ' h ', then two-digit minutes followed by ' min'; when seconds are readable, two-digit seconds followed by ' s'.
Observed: 4 h 40 min
